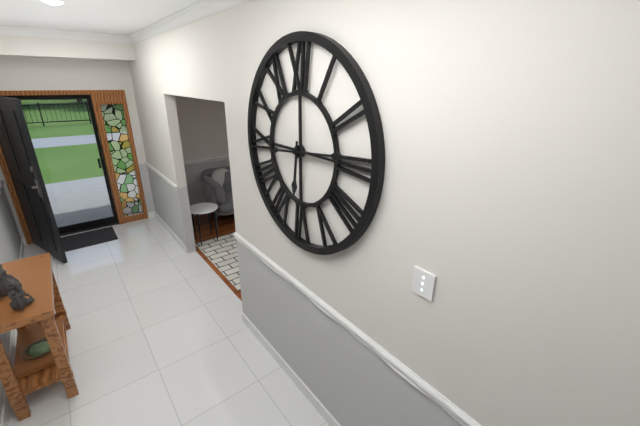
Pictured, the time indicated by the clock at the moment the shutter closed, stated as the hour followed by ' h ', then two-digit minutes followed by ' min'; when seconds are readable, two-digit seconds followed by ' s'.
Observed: 6 h 14 min
